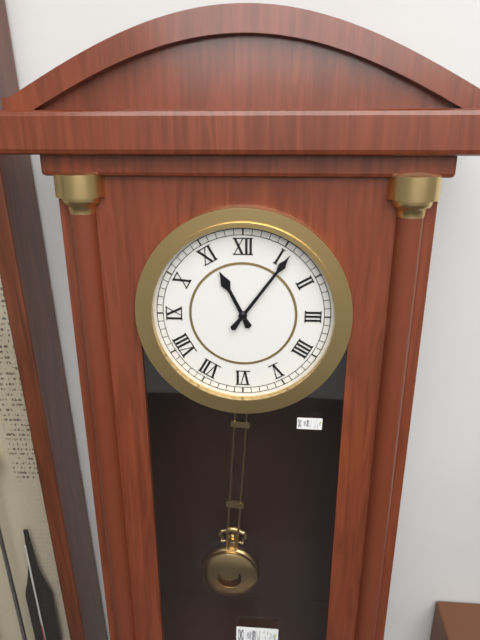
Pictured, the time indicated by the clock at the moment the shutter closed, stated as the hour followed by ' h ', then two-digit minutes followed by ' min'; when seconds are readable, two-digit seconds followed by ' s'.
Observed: 11 h 06 min
